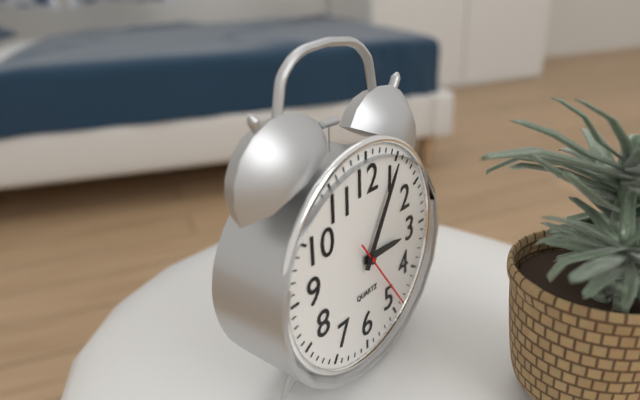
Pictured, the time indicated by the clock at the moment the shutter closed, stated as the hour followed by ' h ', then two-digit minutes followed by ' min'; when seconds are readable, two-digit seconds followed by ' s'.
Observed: 3 h 05 min 24 s
